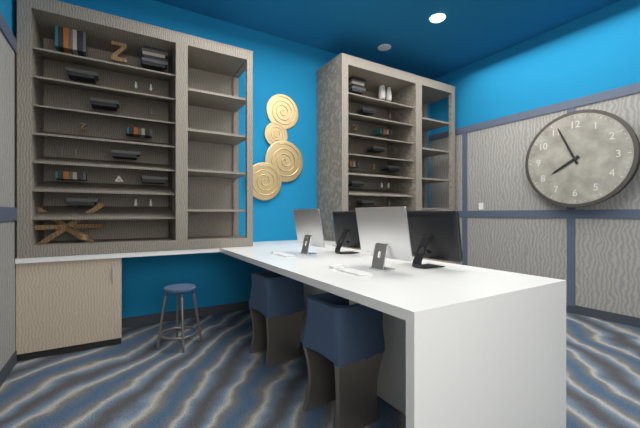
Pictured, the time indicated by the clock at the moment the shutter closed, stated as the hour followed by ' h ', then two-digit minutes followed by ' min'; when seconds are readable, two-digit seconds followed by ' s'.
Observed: 7 h 56 min
